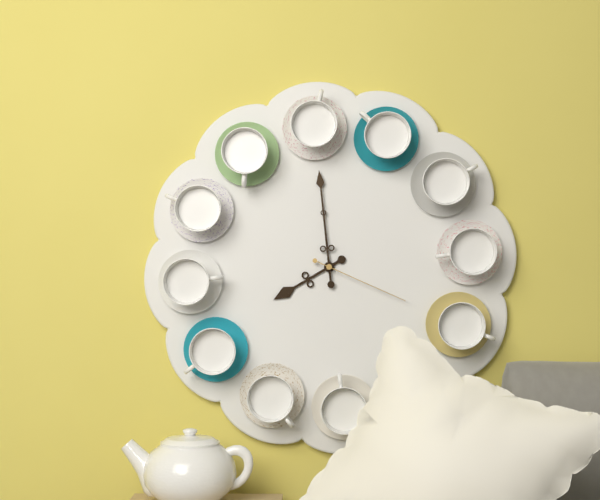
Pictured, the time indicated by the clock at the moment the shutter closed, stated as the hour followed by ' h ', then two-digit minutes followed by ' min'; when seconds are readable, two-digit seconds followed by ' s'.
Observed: 7 h 59 min 19 s
